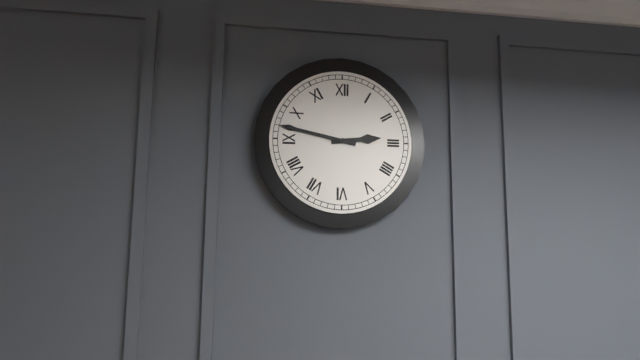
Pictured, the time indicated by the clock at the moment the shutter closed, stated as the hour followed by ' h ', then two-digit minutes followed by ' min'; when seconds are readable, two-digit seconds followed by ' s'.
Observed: 2 h 47 min
